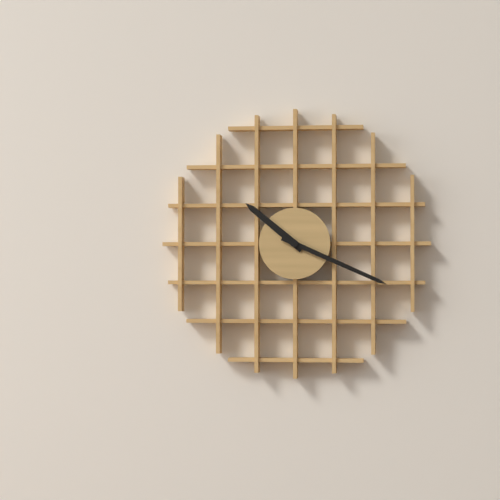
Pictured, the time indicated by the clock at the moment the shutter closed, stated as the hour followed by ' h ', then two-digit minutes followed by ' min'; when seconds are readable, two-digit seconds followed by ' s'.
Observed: 10 h 19 min
